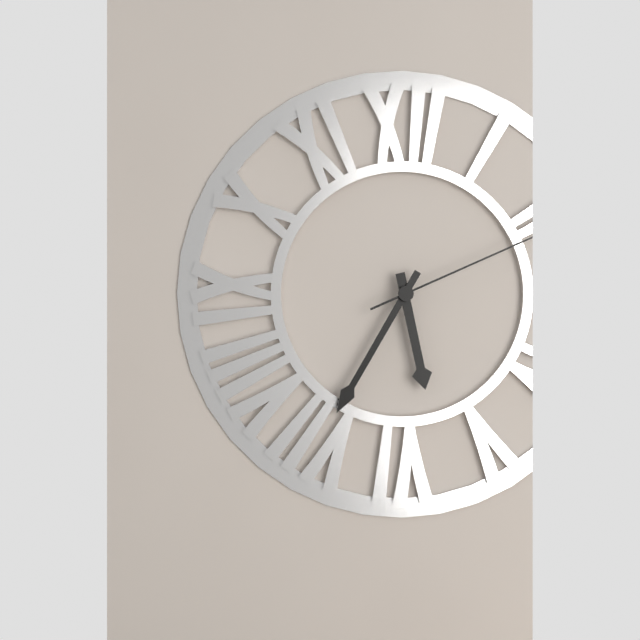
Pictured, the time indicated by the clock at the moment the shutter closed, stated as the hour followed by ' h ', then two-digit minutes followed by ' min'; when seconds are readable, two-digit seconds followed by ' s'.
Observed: 5 h 35 min 11 s
